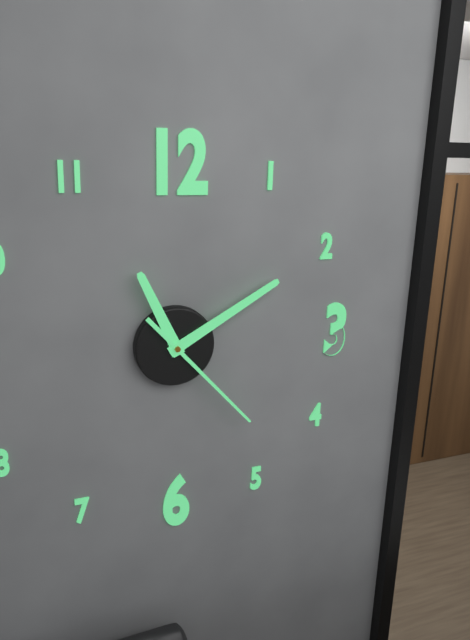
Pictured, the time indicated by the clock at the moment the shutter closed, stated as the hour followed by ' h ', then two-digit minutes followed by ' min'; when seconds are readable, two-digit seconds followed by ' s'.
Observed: 11 h 10 min 23 s
